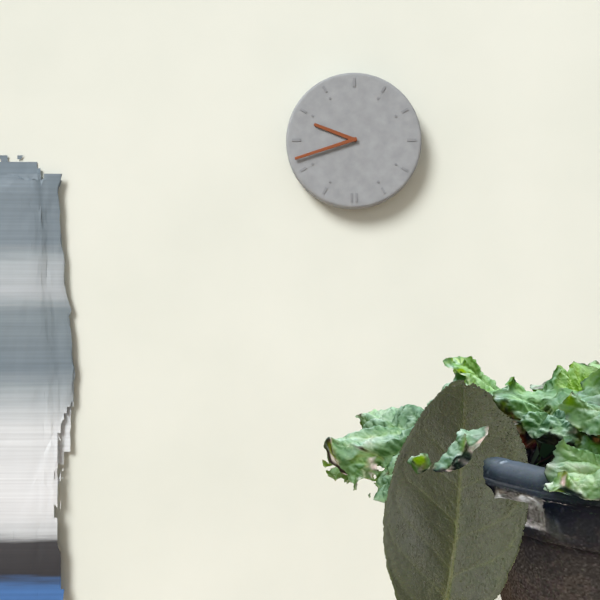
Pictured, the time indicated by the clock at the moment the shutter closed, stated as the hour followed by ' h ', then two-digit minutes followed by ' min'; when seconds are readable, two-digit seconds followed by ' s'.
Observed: 9 h 42 min
